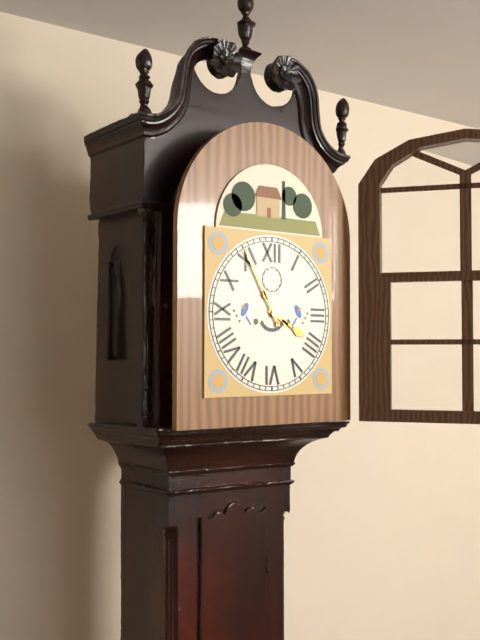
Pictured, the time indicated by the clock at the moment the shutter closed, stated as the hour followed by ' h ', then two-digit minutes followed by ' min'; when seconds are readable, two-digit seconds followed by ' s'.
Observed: 3 h 55 min
